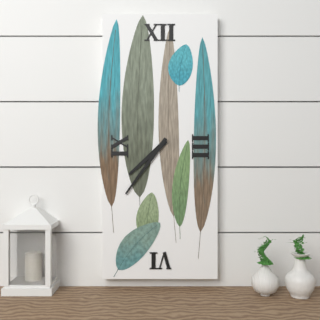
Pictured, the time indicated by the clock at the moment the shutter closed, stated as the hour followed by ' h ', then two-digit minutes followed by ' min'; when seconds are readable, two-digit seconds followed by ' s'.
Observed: 7 h 36 min
